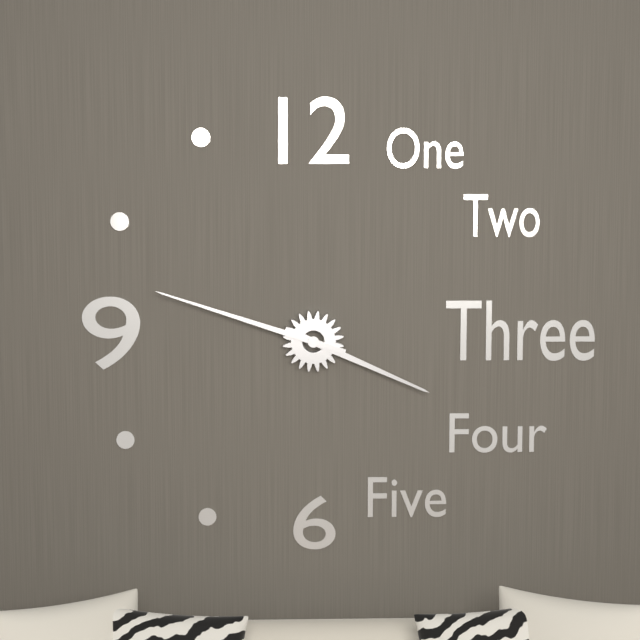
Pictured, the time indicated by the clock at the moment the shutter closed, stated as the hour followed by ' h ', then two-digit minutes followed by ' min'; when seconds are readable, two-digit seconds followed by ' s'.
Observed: 3 h 48 min
